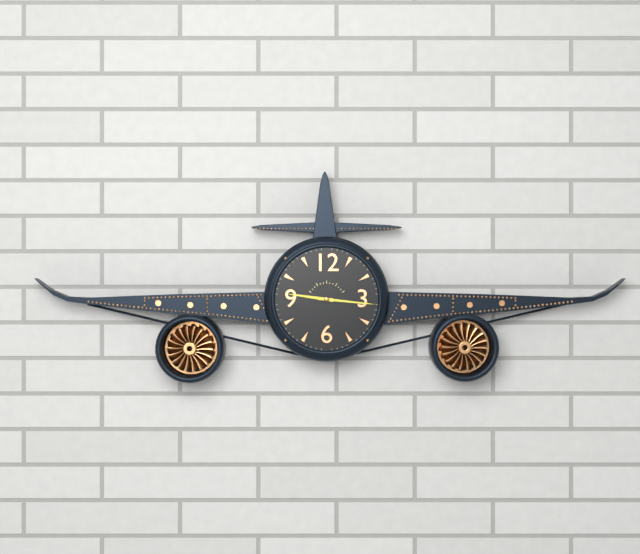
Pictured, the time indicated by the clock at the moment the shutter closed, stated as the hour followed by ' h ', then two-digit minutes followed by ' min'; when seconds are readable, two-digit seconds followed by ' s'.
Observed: 9 h 16 min
